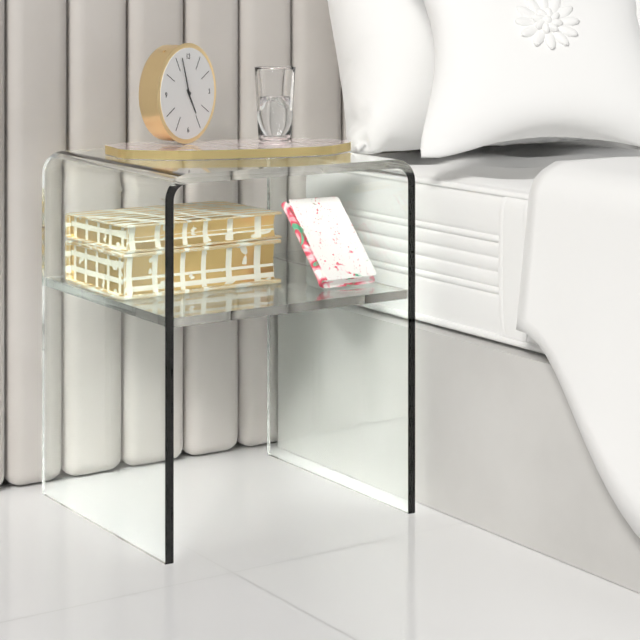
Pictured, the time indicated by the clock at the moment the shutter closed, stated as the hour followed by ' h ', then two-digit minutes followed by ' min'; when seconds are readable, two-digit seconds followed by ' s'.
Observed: 4 h 57 min
